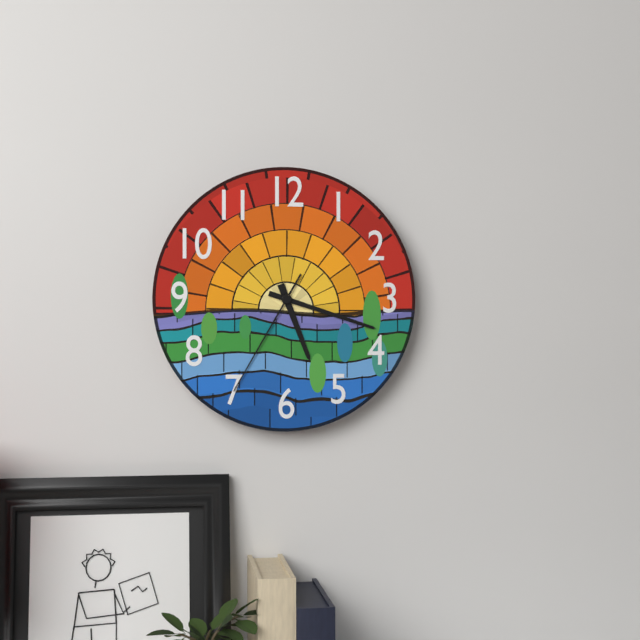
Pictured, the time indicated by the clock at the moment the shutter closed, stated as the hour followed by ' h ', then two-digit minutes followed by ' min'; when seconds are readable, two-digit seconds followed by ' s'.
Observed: 5 h 18 min 35 s
